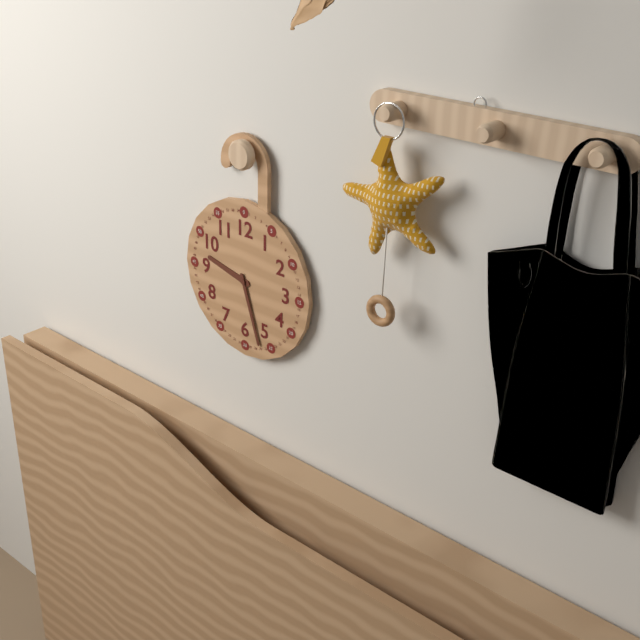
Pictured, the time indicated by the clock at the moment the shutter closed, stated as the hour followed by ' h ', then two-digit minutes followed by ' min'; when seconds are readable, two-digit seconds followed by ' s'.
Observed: 9 h 27 min
